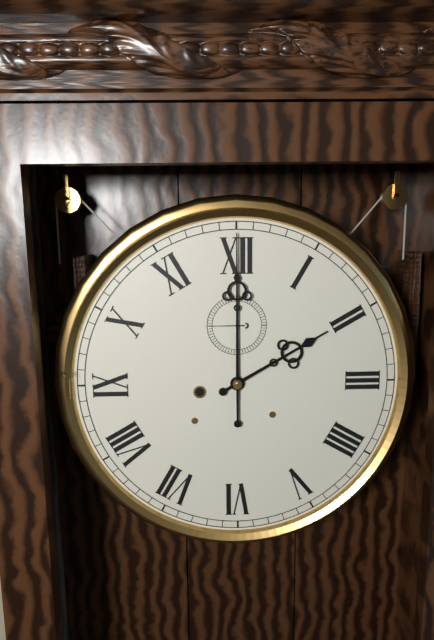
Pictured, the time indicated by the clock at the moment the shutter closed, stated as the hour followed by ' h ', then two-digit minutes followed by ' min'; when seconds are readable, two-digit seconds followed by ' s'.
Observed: 2 h 00 min
